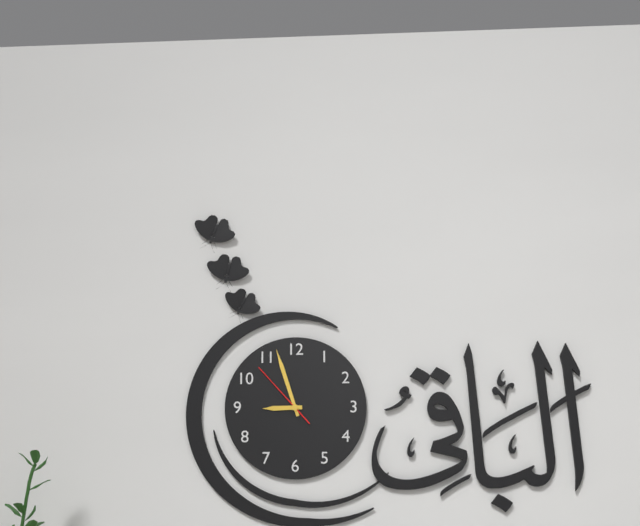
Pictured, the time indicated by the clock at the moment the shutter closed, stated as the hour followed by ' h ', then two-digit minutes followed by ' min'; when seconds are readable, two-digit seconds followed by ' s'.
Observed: 8 h 57 min 53 s
